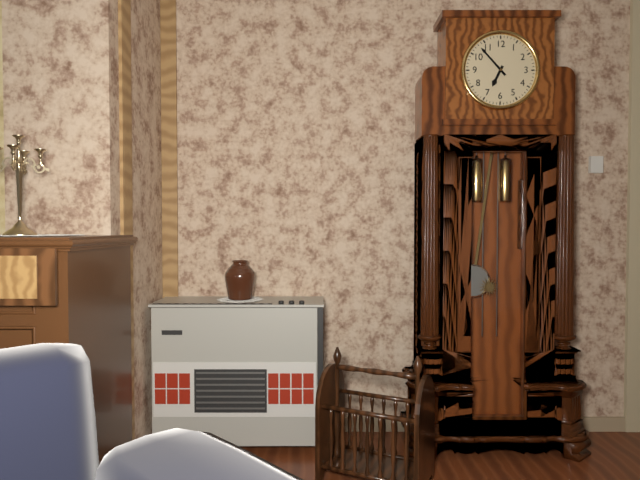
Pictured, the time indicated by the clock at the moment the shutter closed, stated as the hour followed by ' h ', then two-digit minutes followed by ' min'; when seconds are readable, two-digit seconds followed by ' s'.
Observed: 6 h 53 min
